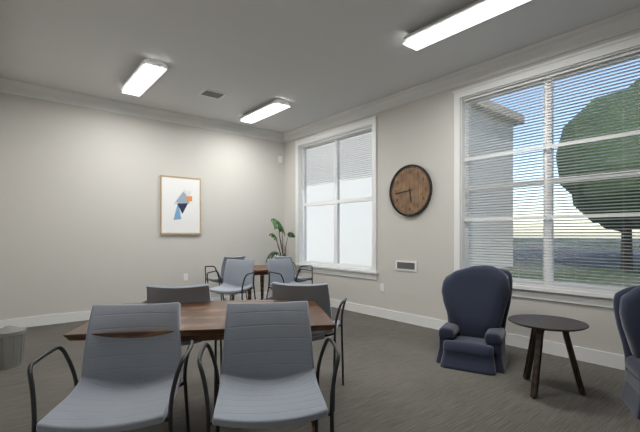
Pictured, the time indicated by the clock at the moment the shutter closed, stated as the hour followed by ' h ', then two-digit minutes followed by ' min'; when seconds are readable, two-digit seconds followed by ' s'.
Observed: 5 h 44 min
